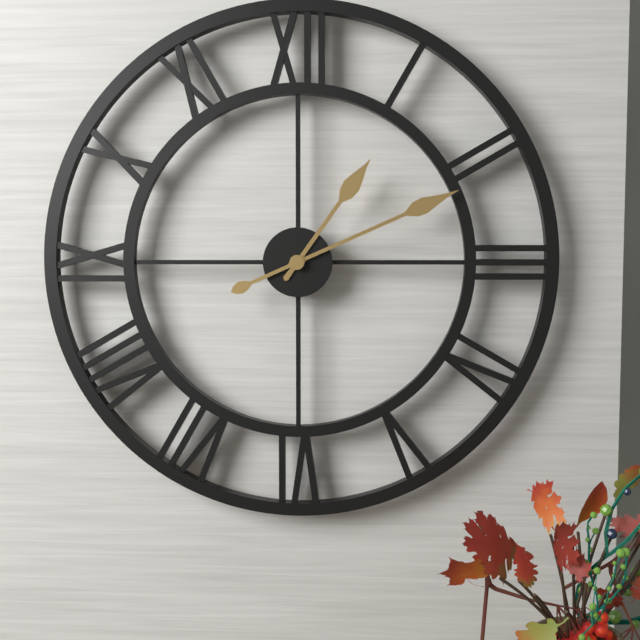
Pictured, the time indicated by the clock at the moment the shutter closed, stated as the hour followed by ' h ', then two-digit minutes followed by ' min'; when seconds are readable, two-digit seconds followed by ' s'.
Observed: 1 h 11 min
